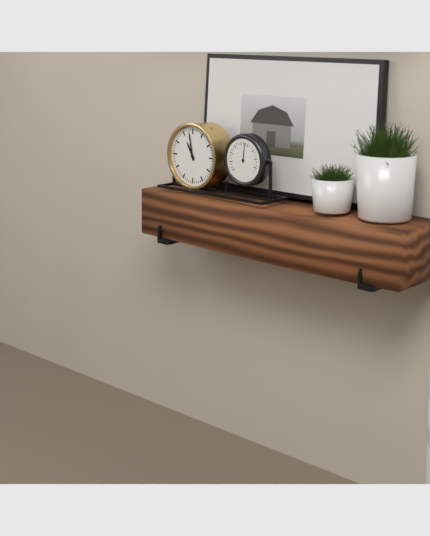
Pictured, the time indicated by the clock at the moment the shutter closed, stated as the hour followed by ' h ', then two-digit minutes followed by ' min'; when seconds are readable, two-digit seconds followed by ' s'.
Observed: 10 h 58 min
